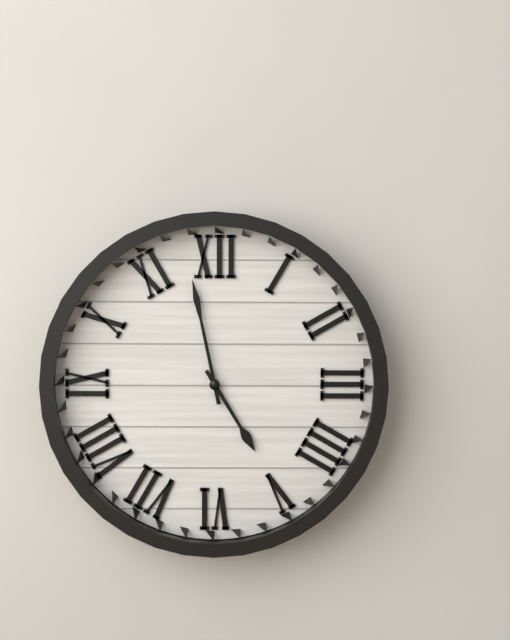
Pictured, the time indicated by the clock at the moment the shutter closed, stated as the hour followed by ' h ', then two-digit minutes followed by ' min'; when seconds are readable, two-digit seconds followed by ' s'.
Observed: 4 h 58 min
